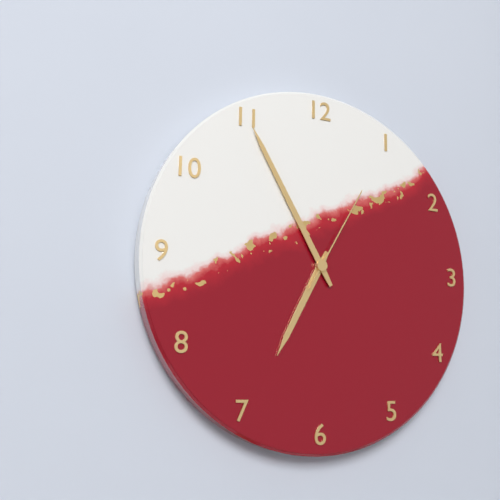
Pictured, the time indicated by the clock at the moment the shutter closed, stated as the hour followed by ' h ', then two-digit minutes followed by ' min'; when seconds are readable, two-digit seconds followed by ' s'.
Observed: 6 h 55 min 05 s
